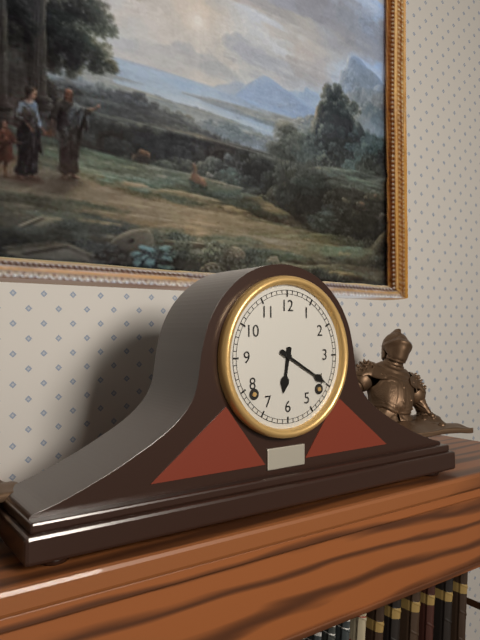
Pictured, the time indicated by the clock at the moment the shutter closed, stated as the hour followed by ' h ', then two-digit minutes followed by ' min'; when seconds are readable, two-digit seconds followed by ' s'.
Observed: 6 h 20 min
